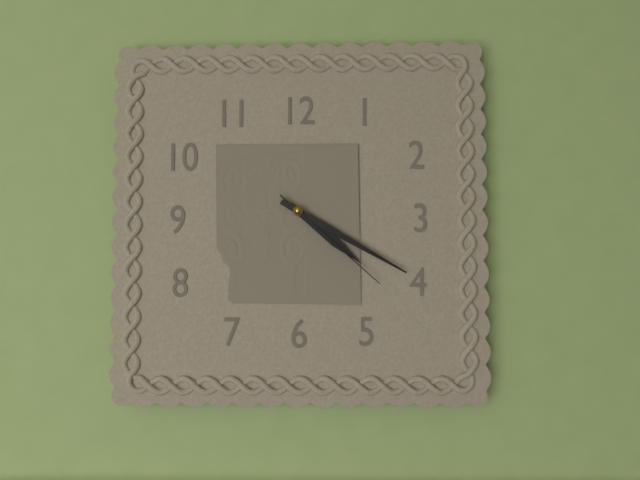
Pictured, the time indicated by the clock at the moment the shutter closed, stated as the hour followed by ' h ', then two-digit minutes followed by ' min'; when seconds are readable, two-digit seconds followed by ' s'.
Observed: 4 h 20 min 22 s
